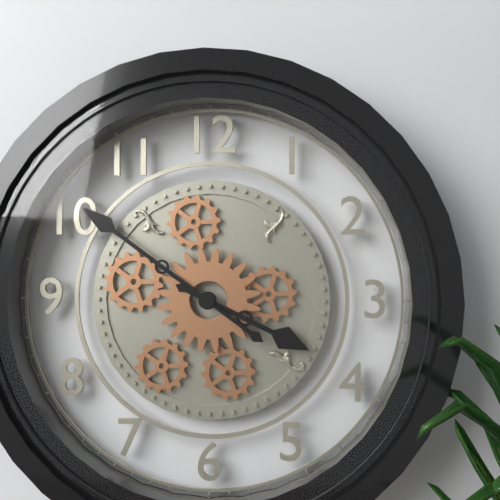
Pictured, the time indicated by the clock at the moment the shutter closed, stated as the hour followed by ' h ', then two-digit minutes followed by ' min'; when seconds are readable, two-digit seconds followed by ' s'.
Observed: 3 h 51 min
